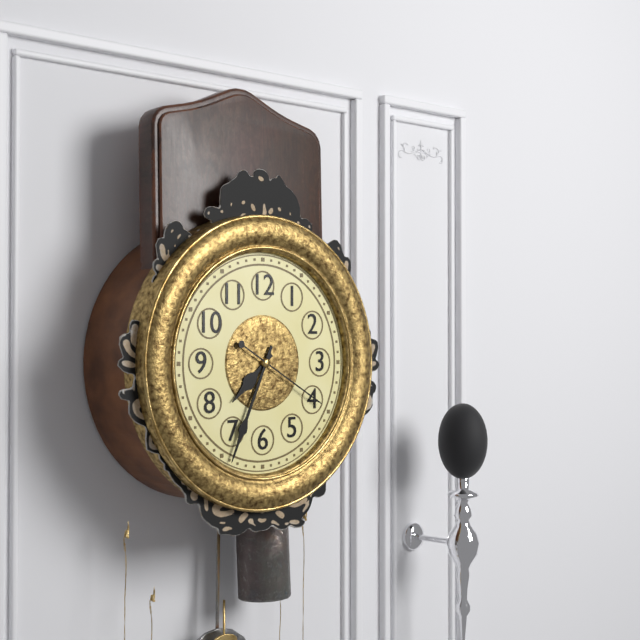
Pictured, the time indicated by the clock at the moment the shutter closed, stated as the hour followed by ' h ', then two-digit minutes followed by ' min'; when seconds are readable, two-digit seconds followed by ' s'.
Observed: 7 h 34 min 20 s
